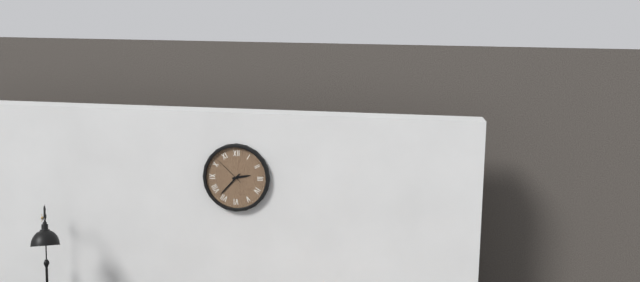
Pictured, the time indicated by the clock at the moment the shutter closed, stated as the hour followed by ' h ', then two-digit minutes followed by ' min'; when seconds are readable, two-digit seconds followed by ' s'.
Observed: 2 h 37 min
